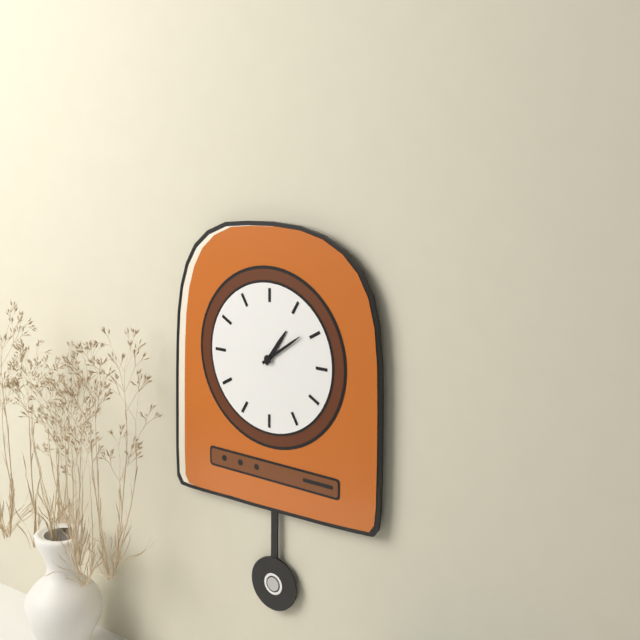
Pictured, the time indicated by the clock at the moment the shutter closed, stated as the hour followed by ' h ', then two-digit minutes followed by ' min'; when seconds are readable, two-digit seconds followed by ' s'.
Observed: 1 h 09 min
